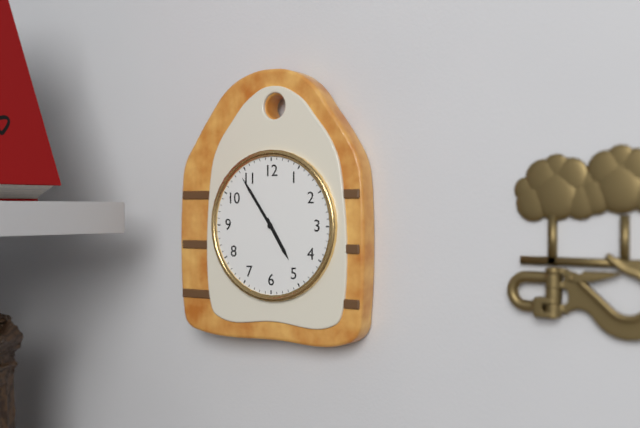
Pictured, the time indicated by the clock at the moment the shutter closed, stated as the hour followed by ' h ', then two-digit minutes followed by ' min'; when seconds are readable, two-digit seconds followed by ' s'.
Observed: 4 h 54 min
